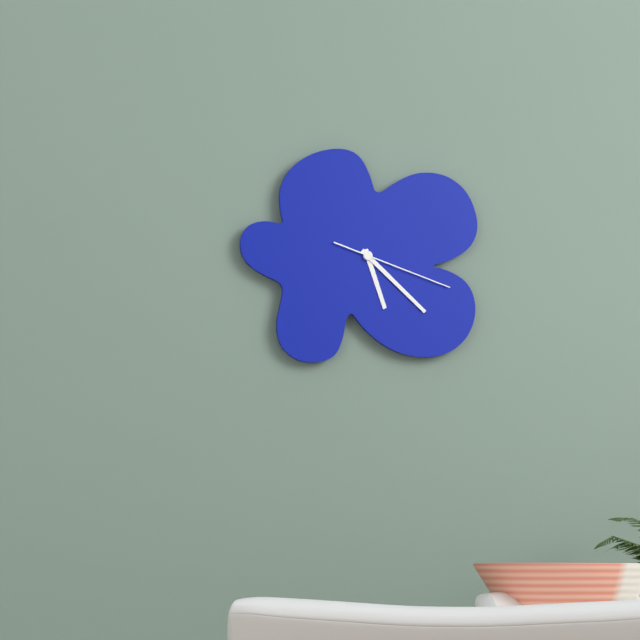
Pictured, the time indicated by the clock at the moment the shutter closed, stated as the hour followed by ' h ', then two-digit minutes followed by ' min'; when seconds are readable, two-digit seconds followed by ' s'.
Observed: 5 h 22 min 18 s
